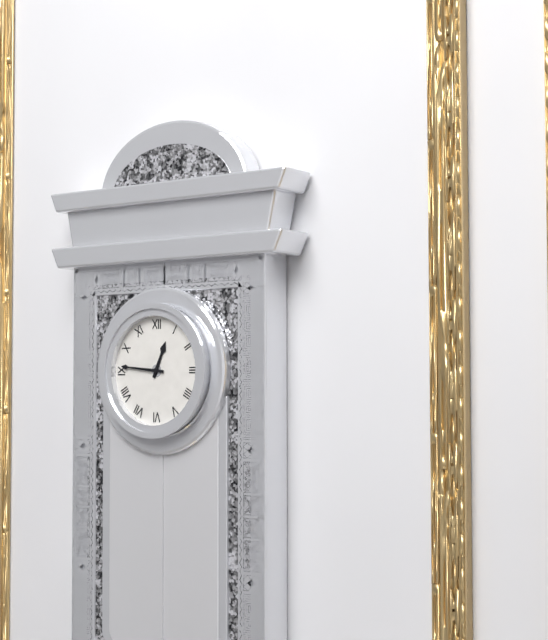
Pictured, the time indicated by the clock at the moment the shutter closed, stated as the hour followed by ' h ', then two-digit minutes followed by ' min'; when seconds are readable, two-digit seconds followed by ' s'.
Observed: 12 h 46 min
